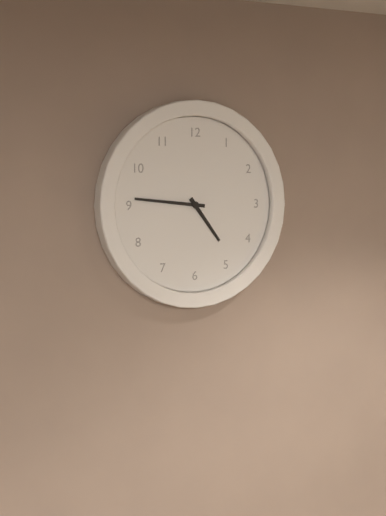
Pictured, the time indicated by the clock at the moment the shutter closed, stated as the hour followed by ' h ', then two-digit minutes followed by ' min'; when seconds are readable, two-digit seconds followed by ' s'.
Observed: 4 h 46 min
